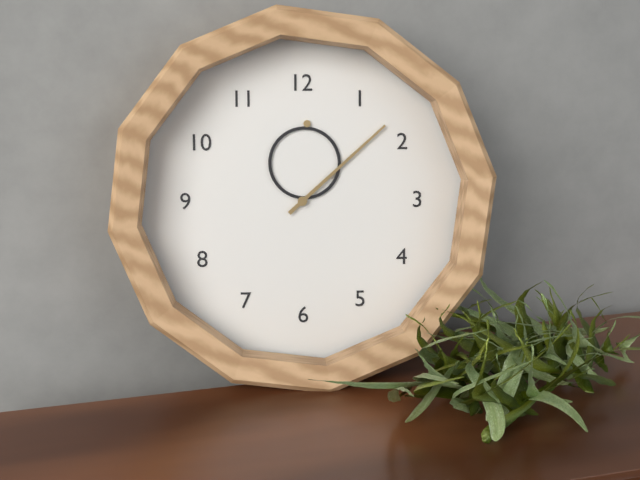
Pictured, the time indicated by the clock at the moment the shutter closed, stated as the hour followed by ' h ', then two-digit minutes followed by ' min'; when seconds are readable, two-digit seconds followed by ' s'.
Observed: 12 h 08 min
